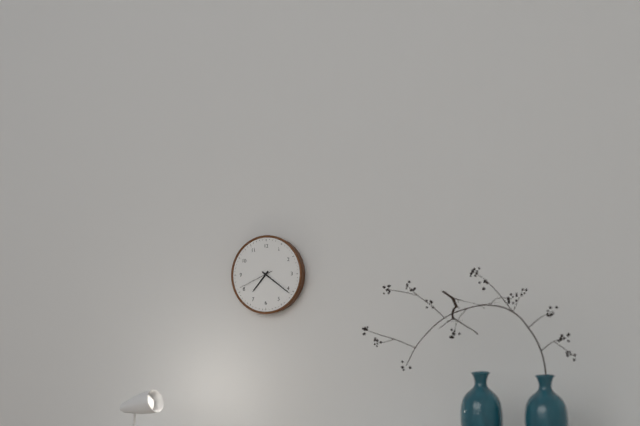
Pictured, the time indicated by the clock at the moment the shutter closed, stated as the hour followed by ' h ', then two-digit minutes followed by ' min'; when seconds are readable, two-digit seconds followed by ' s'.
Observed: 7 h 21 min
